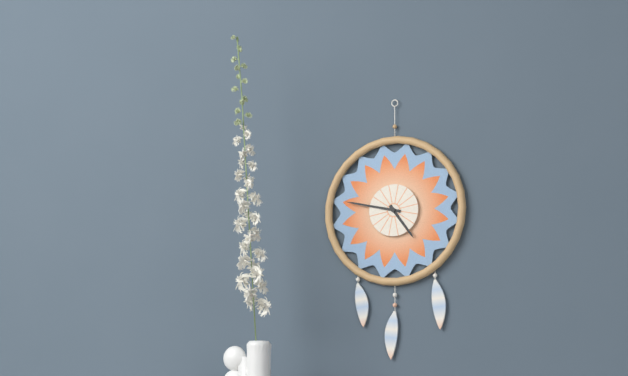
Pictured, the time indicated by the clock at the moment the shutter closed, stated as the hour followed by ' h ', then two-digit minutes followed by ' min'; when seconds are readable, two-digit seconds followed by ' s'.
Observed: 4 h 47 min
